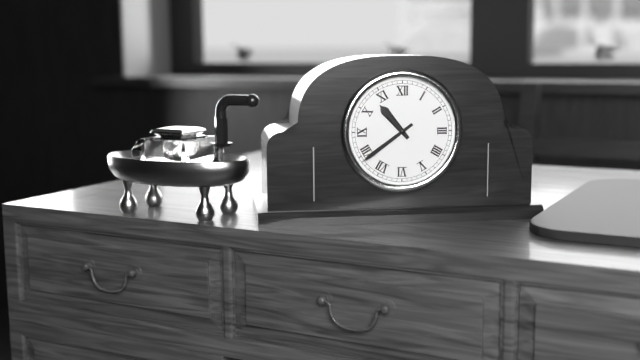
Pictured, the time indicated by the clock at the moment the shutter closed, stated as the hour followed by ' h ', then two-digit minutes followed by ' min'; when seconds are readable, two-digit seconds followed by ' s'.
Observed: 10 h 39 min
